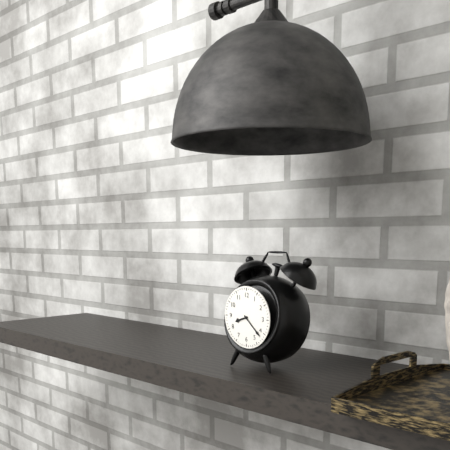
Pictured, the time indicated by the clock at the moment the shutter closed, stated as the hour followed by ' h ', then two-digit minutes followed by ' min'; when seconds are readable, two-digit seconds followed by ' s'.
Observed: 8 h 22 min
